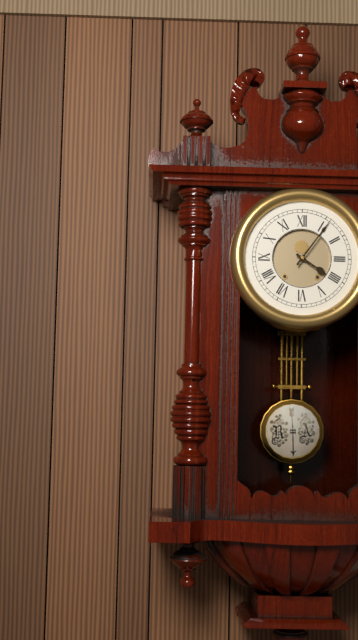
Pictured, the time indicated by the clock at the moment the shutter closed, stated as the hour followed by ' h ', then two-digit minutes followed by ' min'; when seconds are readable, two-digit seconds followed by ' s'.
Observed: 4 h 06 min
